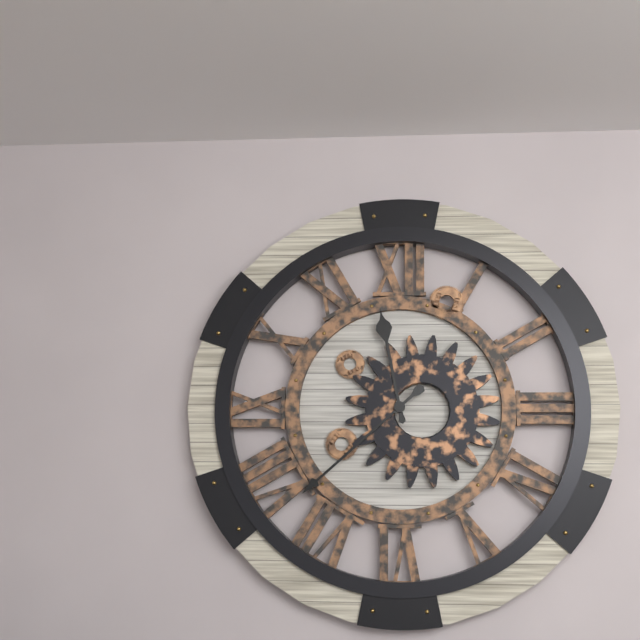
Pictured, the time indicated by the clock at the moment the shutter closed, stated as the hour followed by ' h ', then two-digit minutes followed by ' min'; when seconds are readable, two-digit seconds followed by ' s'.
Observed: 11 h 38 min
